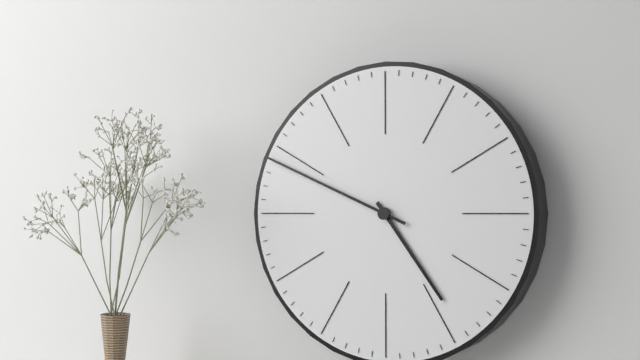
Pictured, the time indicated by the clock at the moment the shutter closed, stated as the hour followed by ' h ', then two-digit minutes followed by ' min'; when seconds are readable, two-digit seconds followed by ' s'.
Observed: 4 h 49 min
